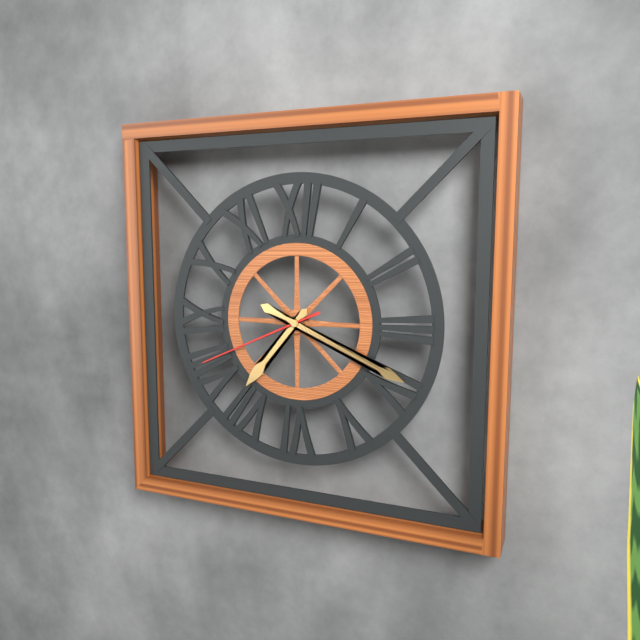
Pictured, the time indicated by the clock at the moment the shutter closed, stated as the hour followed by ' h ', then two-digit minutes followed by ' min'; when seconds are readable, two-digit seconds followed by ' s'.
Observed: 7 h 19 min 41 s
